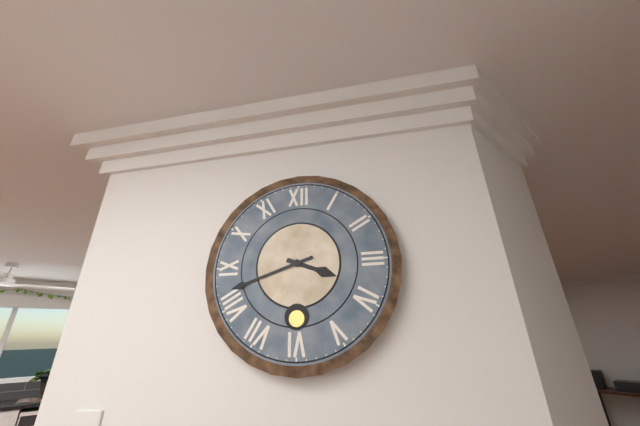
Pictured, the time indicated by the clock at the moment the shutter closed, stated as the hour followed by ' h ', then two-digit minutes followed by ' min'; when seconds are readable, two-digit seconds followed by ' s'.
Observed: 3 h 42 min
